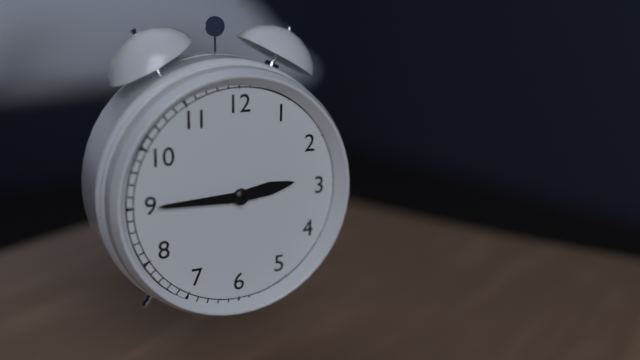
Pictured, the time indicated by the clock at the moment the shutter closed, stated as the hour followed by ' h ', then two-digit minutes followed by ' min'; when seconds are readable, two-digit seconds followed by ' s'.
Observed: 2 h 45 min
